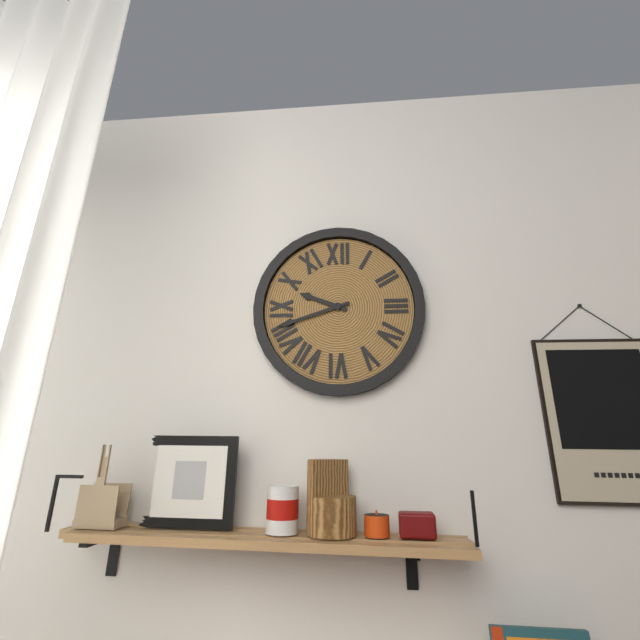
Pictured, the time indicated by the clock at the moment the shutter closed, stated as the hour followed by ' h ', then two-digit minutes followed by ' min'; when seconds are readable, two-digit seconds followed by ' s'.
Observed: 9 h 42 min
